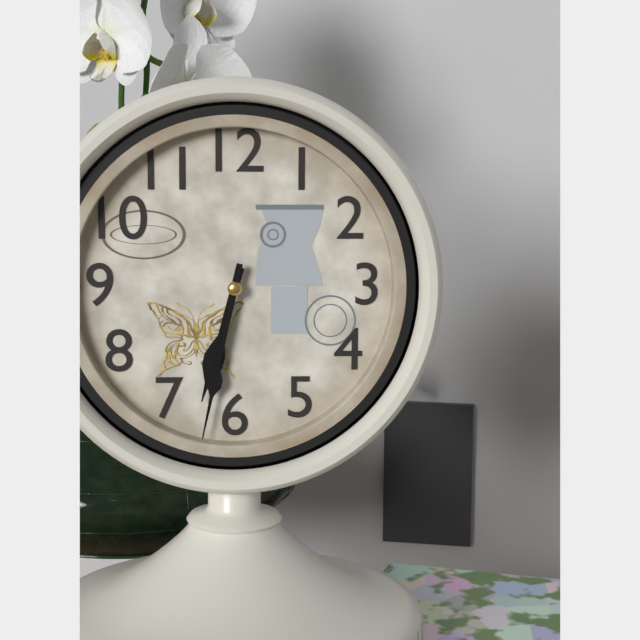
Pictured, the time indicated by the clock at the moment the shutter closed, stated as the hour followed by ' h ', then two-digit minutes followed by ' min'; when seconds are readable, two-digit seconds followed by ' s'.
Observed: 6 h 32 min
